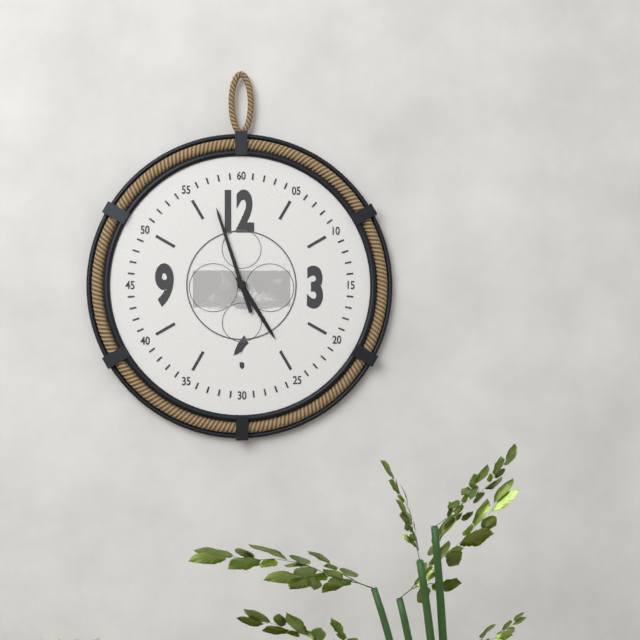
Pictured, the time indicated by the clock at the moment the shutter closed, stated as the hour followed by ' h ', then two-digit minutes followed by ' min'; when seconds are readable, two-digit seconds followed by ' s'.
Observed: 4 h 57 min
